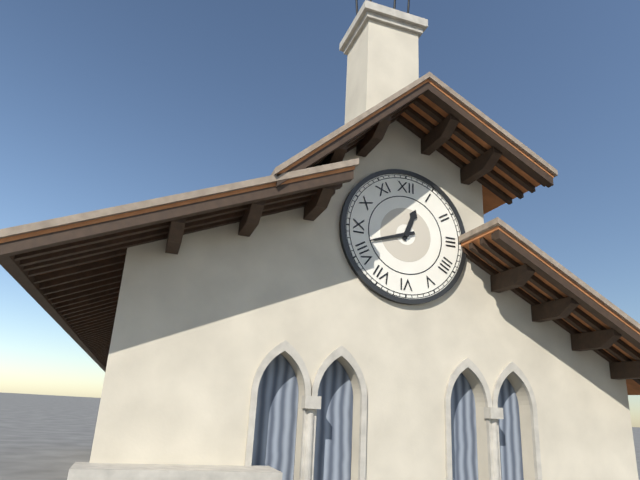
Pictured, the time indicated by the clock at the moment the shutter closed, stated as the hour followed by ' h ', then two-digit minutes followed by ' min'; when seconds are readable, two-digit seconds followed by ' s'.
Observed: 12 h 42 min
